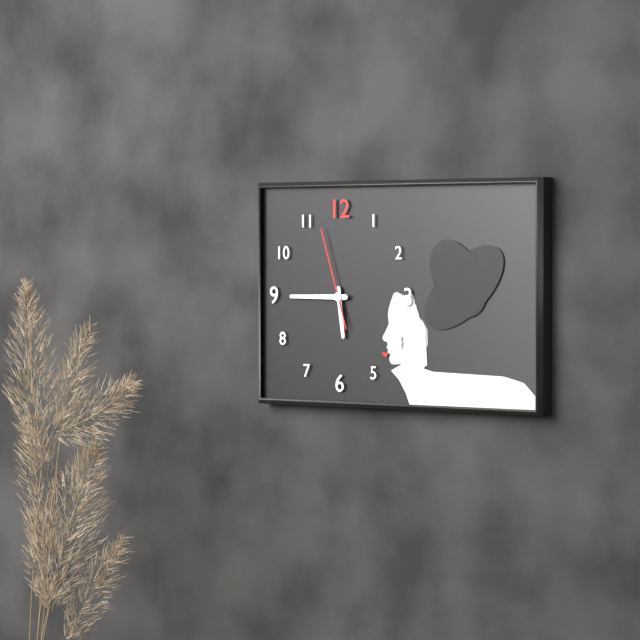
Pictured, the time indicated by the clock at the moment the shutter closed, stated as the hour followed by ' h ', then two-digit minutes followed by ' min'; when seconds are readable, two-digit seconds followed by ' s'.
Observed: 5 h 45 min 57 s
